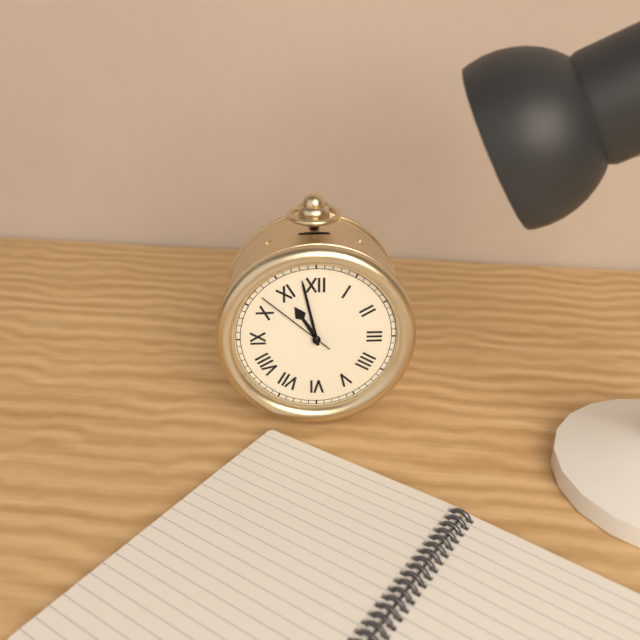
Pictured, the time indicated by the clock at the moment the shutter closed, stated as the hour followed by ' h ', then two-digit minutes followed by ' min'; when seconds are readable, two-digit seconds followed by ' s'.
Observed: 10 h 58 min 52 s
